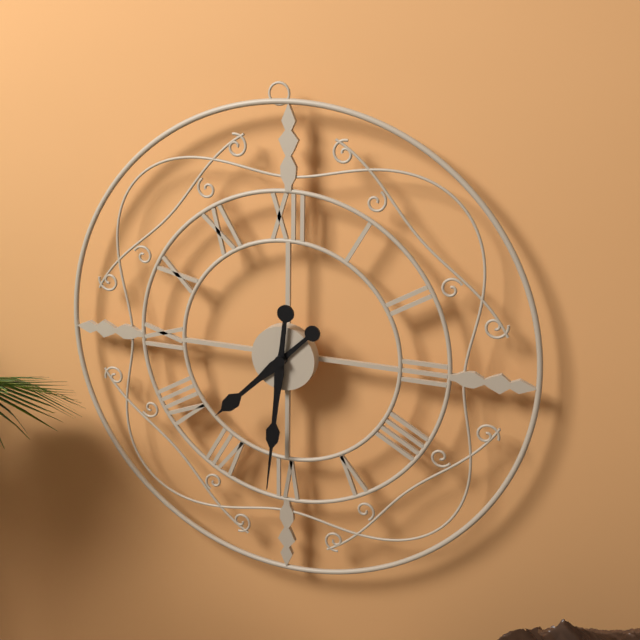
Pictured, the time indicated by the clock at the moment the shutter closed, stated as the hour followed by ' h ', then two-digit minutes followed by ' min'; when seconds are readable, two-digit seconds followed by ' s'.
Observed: 7 h 31 min
